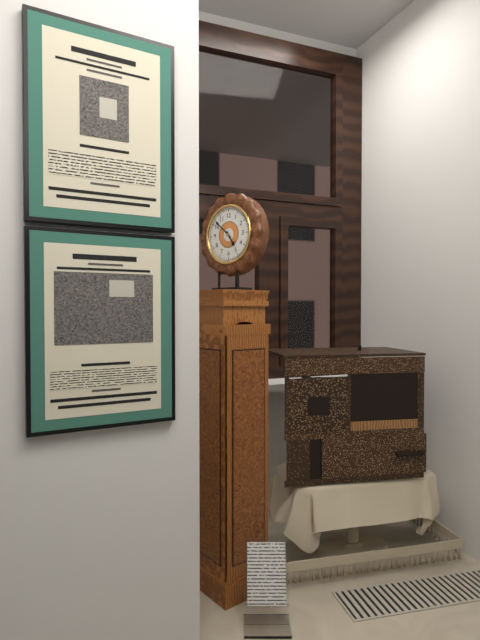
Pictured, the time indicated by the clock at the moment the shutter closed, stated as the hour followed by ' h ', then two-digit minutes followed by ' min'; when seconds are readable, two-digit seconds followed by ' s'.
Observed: 4 h 52 min
